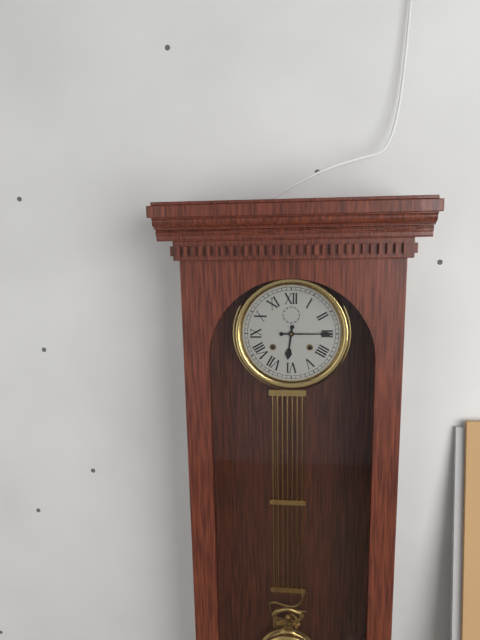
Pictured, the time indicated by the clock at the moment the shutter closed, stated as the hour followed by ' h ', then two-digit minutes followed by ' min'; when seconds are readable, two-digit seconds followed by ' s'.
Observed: 6 h 15 min
